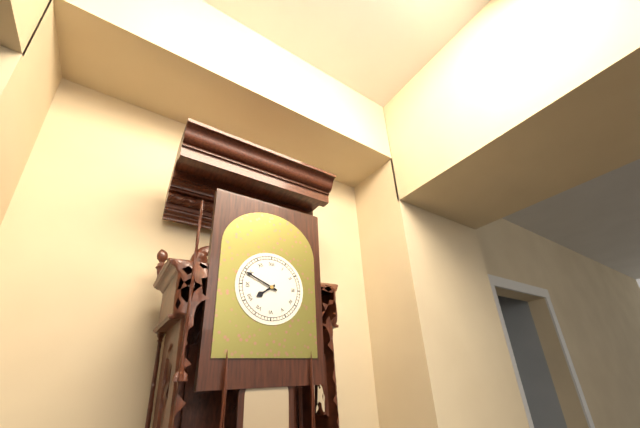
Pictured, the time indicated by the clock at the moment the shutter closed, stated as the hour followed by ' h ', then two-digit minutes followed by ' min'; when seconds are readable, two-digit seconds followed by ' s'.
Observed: 7 h 49 min
